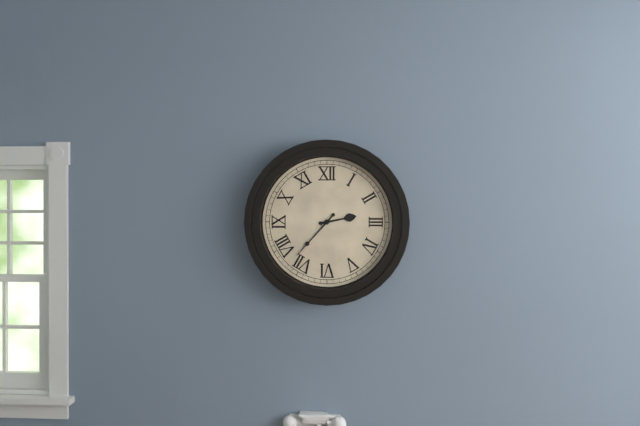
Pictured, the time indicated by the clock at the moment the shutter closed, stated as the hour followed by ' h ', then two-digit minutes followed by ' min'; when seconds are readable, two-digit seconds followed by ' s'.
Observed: 2 h 37 min
